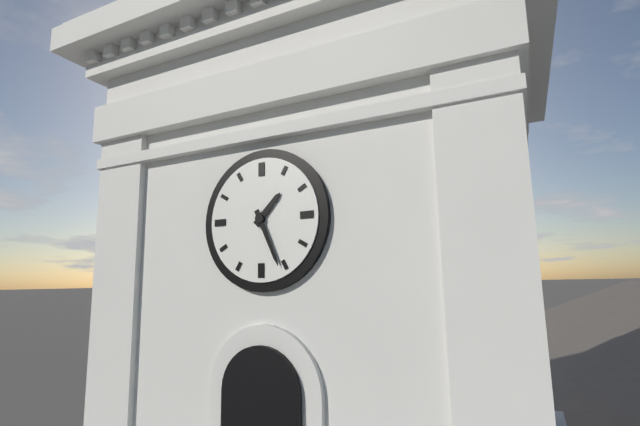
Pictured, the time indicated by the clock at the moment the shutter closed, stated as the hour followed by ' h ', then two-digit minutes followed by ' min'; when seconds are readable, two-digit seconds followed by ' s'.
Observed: 1 h 26 min
